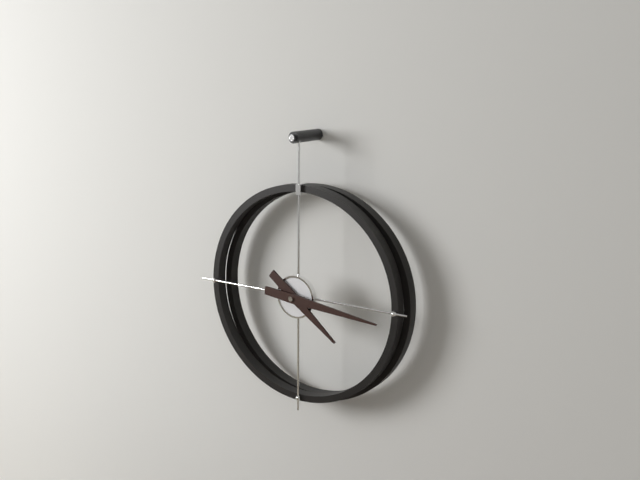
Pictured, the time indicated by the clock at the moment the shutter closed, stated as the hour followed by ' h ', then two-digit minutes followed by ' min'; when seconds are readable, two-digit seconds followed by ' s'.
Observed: 4 h 16 min
